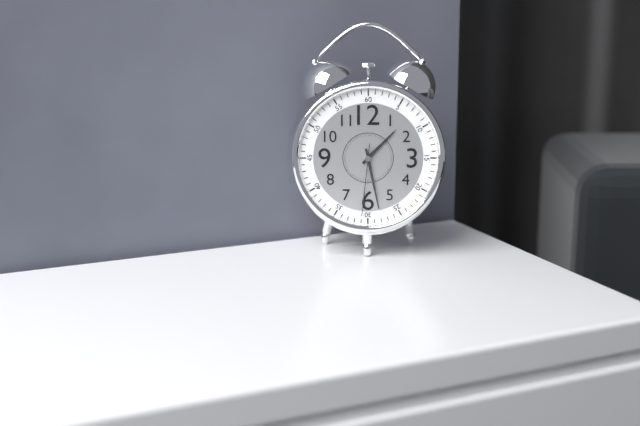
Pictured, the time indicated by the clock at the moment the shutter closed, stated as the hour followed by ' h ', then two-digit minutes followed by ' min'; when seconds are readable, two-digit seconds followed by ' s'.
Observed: 1 h 28 min 31 s
